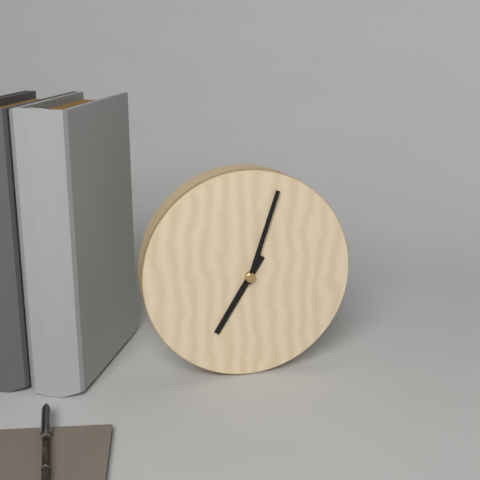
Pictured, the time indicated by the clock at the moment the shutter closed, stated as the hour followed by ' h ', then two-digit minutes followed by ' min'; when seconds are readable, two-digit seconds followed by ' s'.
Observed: 7 h 03 min
